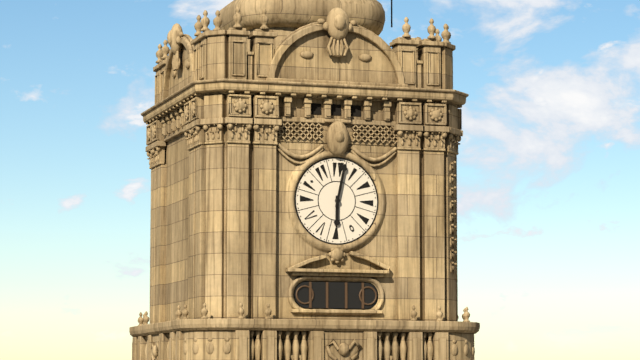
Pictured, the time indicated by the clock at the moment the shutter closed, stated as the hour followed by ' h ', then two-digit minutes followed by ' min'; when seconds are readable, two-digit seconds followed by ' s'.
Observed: 6 h 02 min
